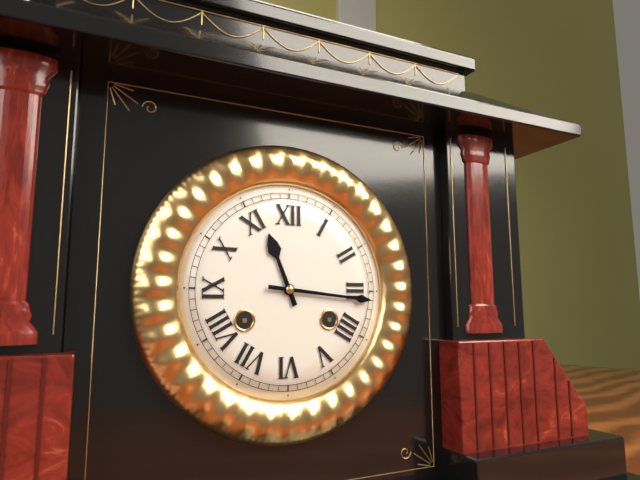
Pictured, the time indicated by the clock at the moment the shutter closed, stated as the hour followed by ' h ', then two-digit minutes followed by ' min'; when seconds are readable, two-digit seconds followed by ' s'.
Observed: 11 h 16 min
